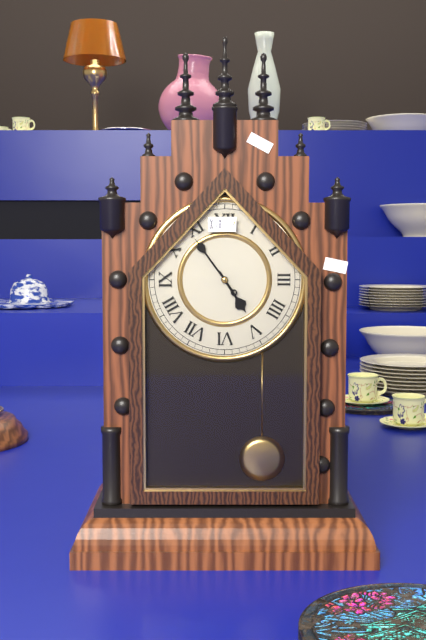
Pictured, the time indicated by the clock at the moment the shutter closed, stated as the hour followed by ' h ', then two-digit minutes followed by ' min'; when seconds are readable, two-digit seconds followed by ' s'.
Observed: 4 h 54 min
